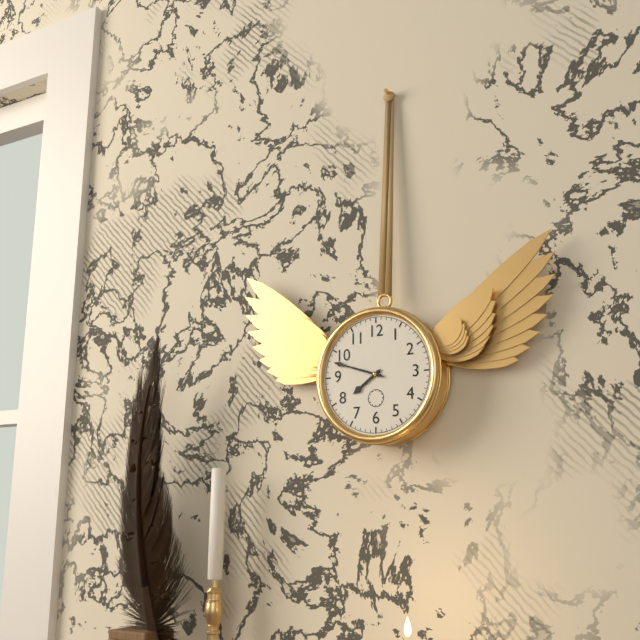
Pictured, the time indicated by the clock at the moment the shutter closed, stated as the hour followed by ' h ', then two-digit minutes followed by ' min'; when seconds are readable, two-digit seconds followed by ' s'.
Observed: 7 h 48 min
